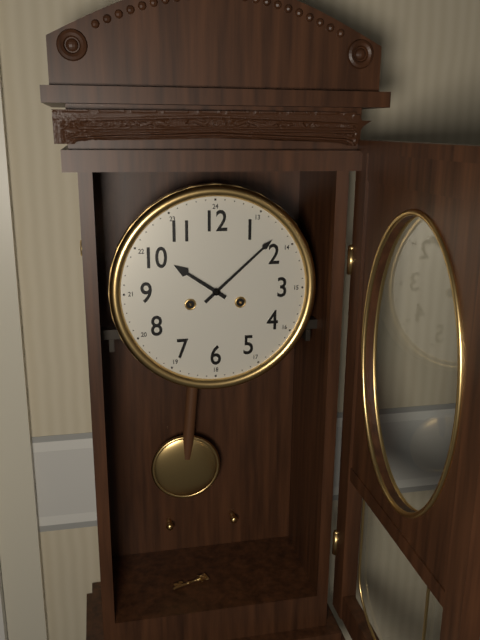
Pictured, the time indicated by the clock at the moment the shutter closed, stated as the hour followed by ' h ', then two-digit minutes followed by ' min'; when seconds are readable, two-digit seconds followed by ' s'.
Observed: 10 h 08 min
